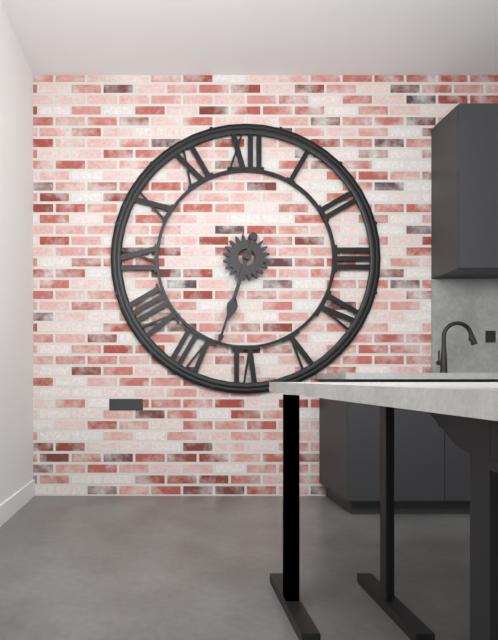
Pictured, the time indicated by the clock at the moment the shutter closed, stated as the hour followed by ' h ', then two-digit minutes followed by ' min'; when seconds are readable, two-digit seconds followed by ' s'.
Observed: 6 h 33 min
